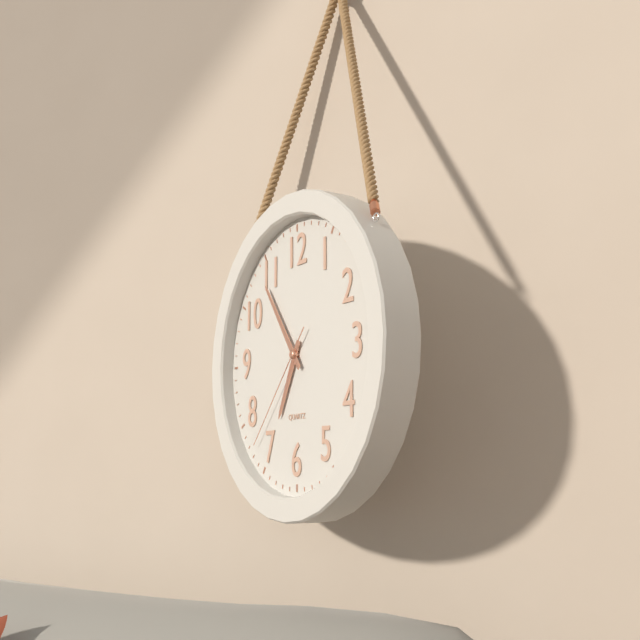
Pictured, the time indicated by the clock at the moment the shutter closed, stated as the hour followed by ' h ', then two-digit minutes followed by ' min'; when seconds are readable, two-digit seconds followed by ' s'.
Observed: 6 h 54 min 37 s
